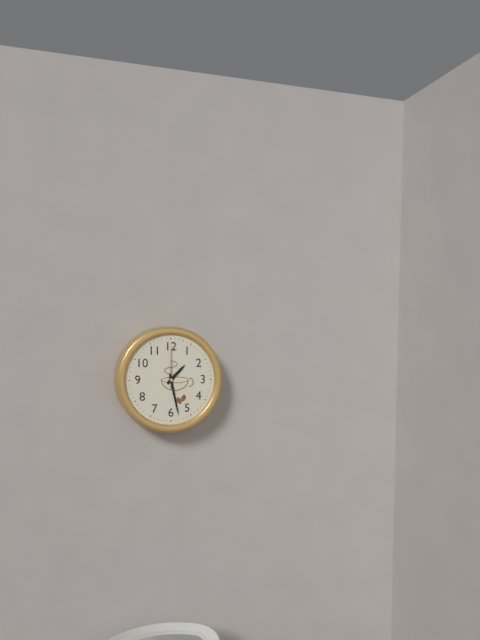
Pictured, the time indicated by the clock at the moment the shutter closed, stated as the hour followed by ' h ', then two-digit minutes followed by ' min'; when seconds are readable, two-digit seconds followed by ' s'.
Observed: 1 h 28 min
